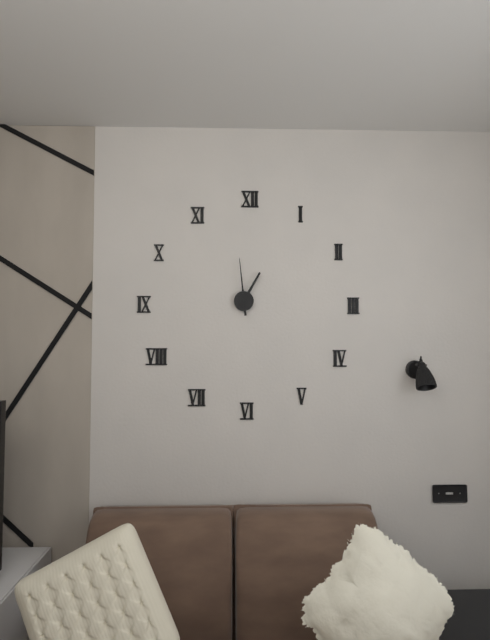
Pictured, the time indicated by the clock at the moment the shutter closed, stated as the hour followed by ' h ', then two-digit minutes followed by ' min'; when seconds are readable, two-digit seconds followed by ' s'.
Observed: 12 h 59 min
